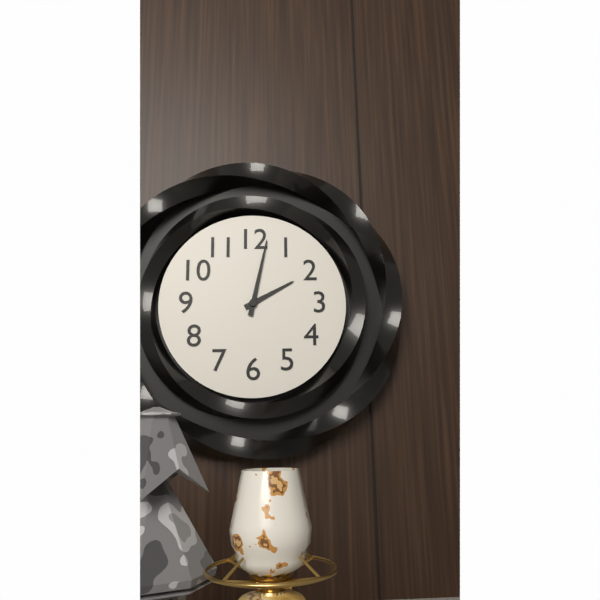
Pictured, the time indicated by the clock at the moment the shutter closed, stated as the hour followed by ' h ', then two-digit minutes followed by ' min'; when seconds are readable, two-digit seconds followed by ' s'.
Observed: 2 h 02 min
